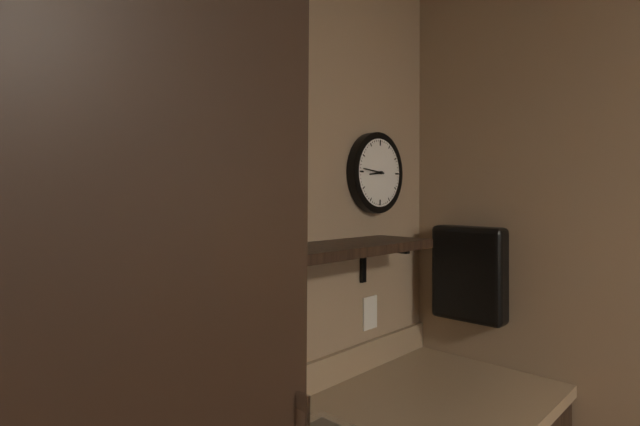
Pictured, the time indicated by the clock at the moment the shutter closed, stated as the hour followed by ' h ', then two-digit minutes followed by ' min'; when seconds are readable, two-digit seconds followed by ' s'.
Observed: 8 h 46 min
